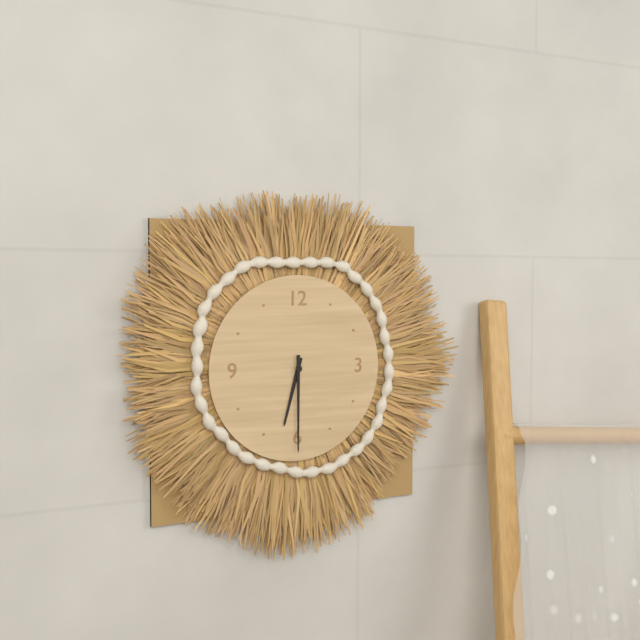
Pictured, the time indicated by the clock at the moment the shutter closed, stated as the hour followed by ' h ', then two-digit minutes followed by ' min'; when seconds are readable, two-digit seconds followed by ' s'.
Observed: 6 h 30 min
